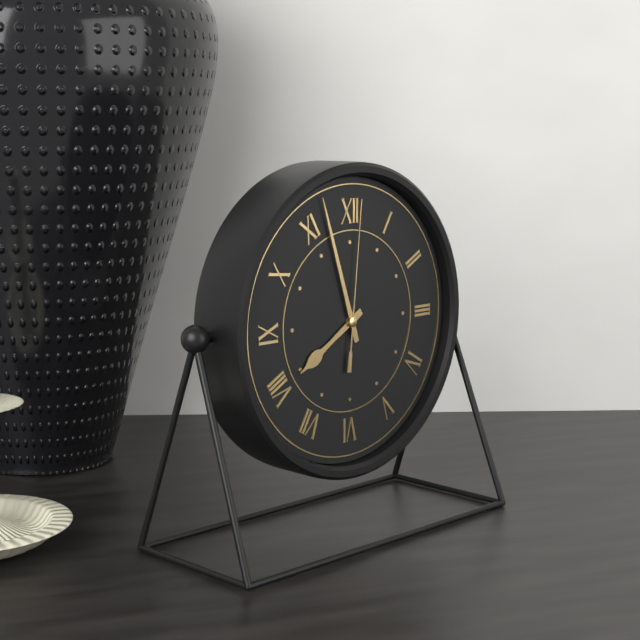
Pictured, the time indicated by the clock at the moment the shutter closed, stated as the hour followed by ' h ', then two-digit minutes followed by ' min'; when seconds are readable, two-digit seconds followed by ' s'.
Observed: 7 h 57 min 01 s
